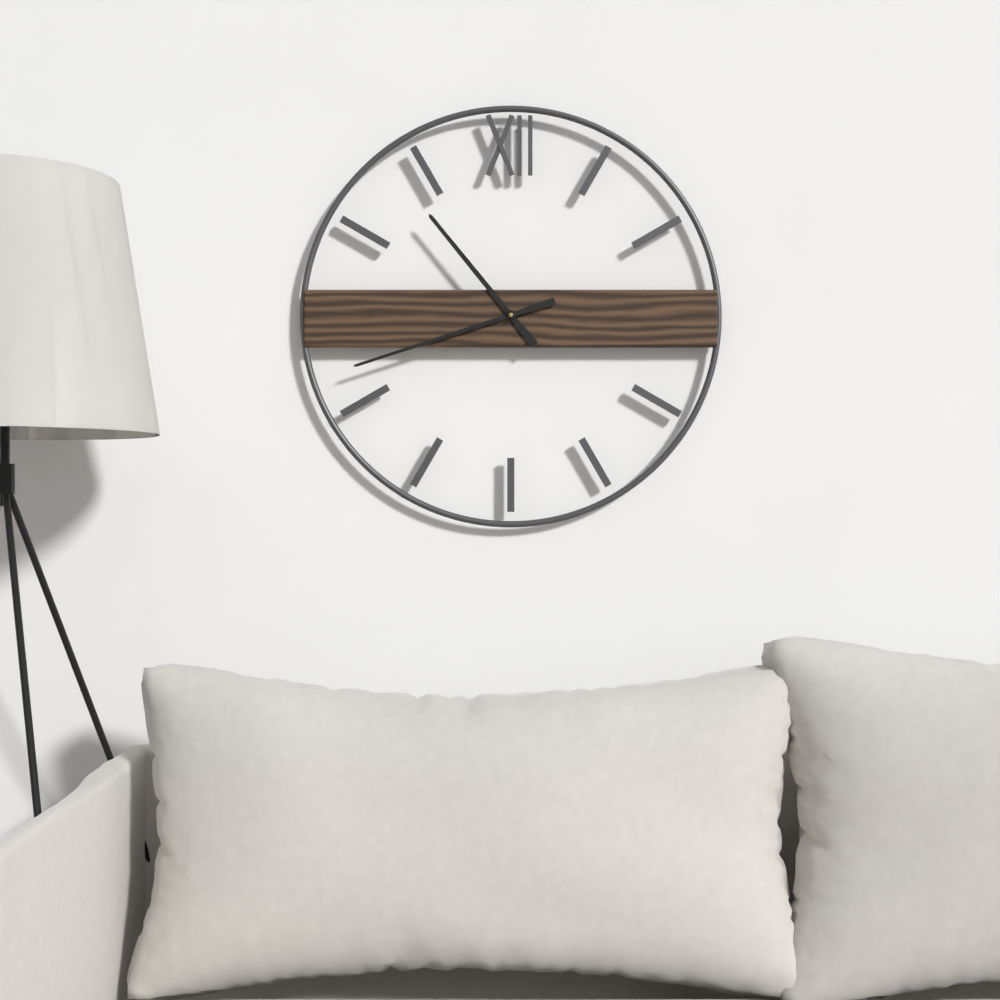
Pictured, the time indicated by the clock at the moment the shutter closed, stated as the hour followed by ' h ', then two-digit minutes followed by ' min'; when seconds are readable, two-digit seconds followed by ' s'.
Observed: 10 h 42 min
